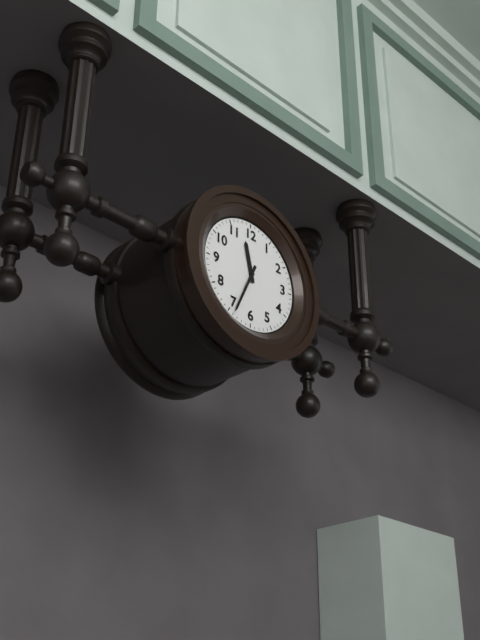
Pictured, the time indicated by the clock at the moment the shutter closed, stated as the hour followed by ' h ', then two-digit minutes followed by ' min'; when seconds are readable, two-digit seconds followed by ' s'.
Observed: 11 h 34 min
